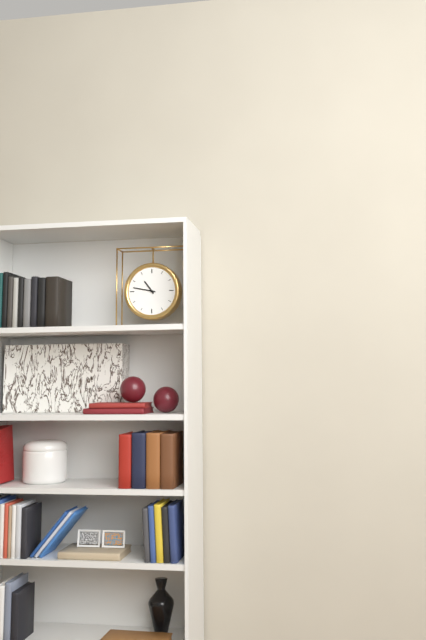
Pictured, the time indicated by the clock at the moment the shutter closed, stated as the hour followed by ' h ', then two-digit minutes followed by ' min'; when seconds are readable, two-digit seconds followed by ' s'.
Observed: 10 h 47 min
